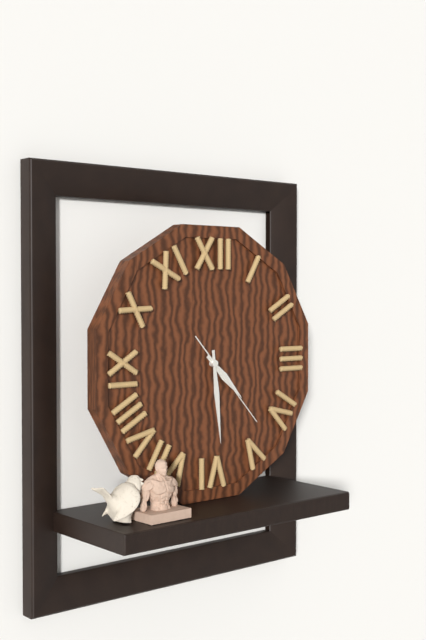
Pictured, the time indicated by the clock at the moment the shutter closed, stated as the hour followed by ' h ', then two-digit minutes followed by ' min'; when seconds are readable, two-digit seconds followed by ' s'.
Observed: 4 h 29 min 23 s
